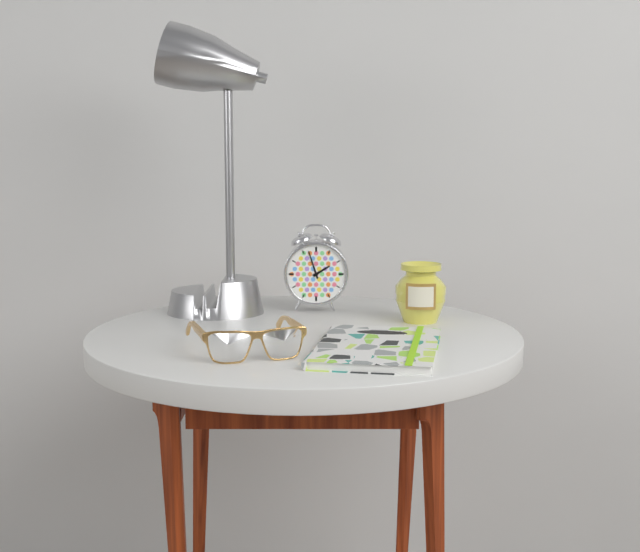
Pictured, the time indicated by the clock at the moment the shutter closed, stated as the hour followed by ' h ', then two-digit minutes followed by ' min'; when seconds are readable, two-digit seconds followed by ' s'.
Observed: 1 h 57 min
